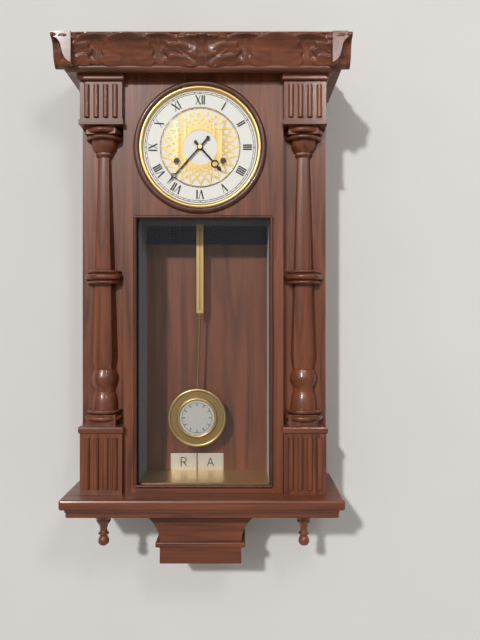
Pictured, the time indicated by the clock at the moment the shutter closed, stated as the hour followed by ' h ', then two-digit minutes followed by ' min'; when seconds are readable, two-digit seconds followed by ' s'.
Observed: 4 h 37 min
